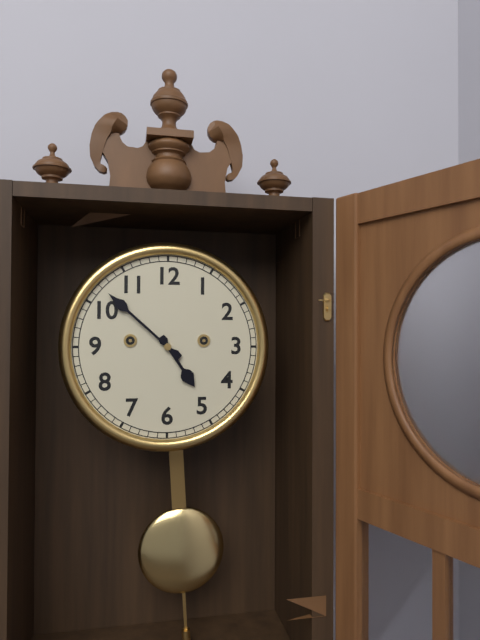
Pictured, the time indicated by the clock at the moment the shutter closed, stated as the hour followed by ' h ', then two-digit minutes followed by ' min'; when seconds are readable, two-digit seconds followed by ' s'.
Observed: 4 h 52 min
